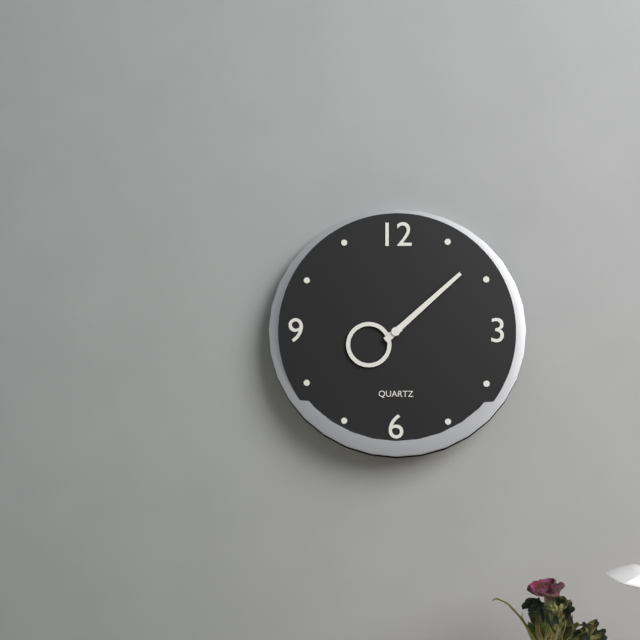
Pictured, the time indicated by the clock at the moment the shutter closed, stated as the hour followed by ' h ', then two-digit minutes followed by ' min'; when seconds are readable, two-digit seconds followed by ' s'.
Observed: 8 h 08 min
